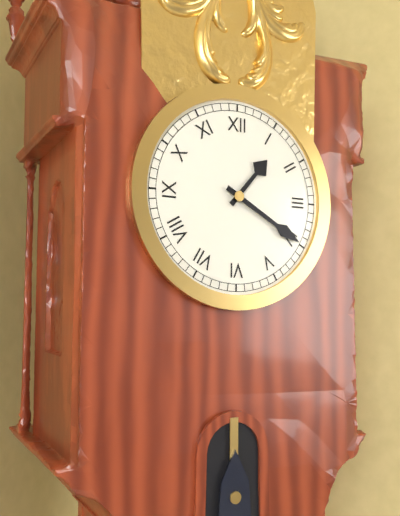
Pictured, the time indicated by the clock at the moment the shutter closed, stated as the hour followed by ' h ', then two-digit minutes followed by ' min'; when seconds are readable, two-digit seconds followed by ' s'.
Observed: 1 h 20 min
